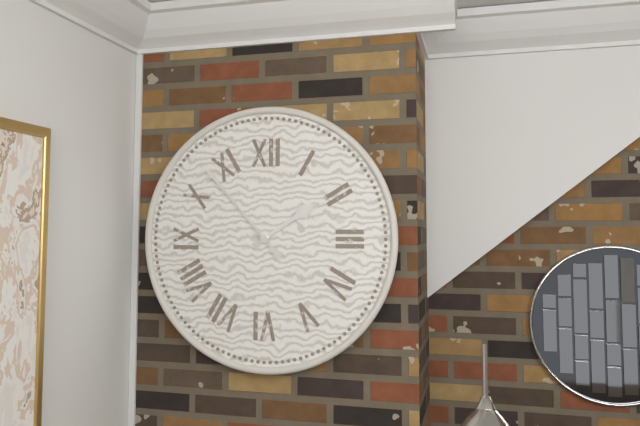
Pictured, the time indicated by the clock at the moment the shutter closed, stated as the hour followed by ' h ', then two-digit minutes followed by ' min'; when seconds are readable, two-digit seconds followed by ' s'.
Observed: 1 h 53 min
